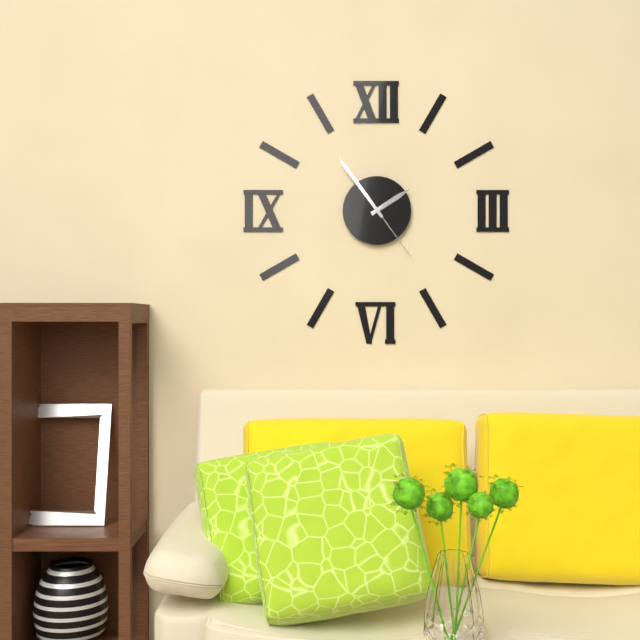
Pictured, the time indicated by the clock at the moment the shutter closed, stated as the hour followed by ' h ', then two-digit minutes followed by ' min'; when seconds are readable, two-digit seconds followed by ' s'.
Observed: 1 h 54 min 24 s
